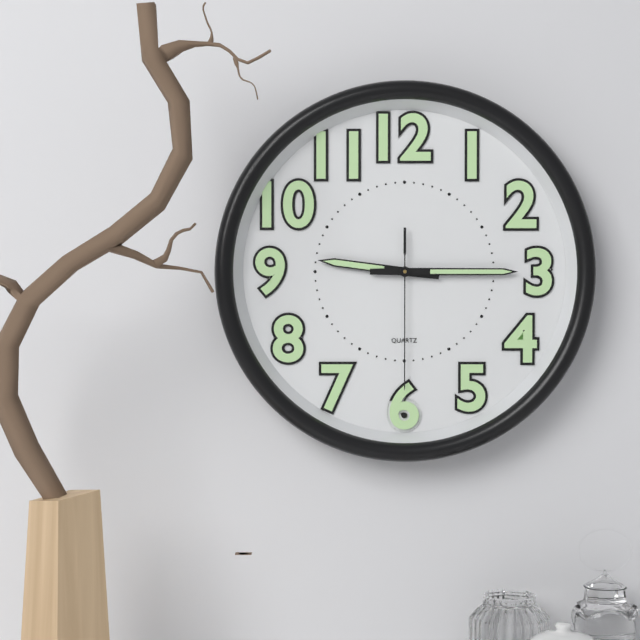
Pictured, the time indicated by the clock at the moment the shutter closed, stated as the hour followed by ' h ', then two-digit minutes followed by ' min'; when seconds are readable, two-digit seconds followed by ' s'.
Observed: 9 h 15 min 30 s
